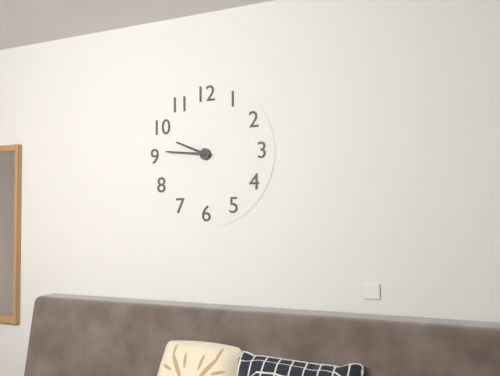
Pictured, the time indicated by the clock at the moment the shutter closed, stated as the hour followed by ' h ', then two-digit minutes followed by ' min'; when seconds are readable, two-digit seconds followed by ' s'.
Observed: 9 h 46 min
